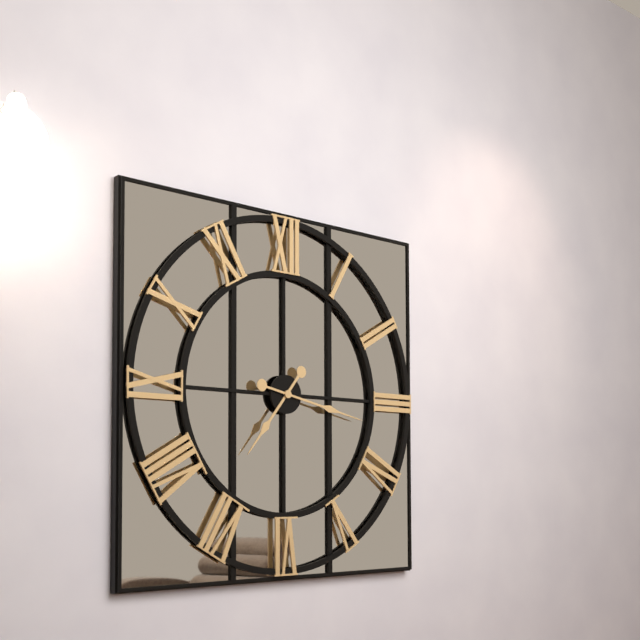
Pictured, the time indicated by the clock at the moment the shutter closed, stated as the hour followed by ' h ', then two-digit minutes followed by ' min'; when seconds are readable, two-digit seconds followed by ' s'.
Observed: 7 h 17 min
